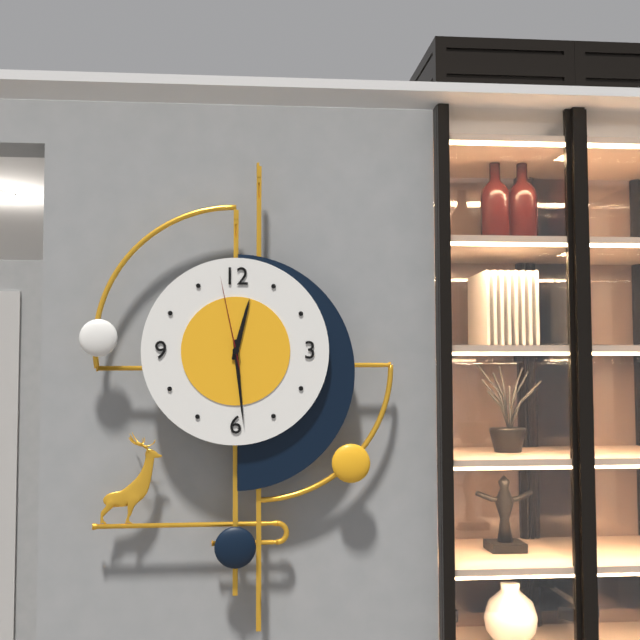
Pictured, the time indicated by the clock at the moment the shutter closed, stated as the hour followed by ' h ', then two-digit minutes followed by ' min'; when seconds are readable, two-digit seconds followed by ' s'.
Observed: 12 h 29 min 58 s
